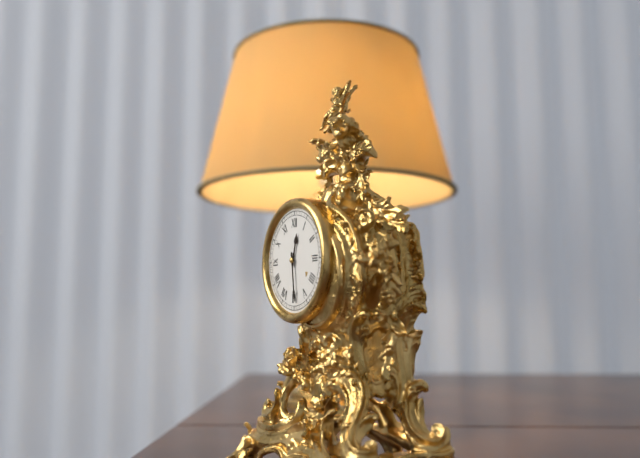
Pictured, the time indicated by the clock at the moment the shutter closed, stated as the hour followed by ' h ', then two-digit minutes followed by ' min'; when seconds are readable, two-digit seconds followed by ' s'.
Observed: 12 h 29 min
